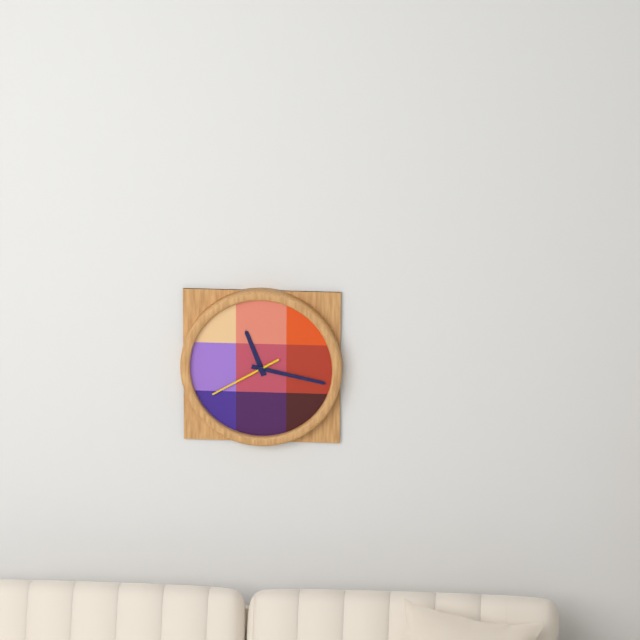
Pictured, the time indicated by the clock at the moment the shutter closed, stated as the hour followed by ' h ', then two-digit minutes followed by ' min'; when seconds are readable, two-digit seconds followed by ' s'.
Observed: 11 h 17 min 40 s
